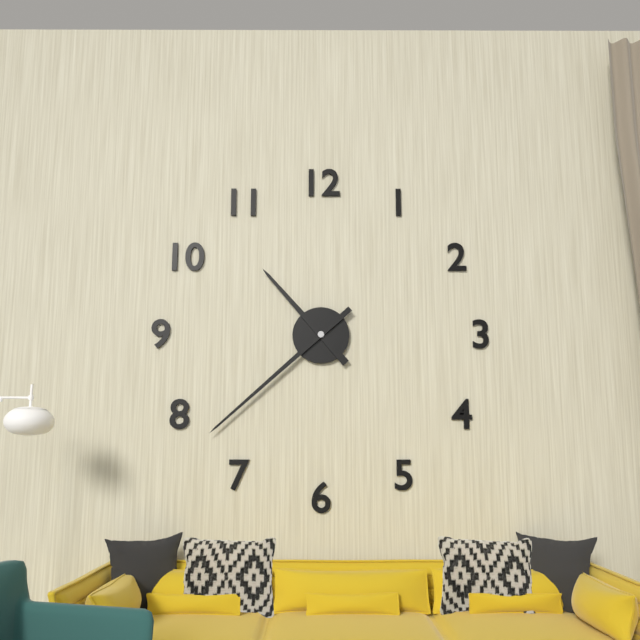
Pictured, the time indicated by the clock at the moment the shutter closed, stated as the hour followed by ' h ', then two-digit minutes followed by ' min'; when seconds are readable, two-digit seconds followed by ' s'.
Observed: 10 h 38 min
